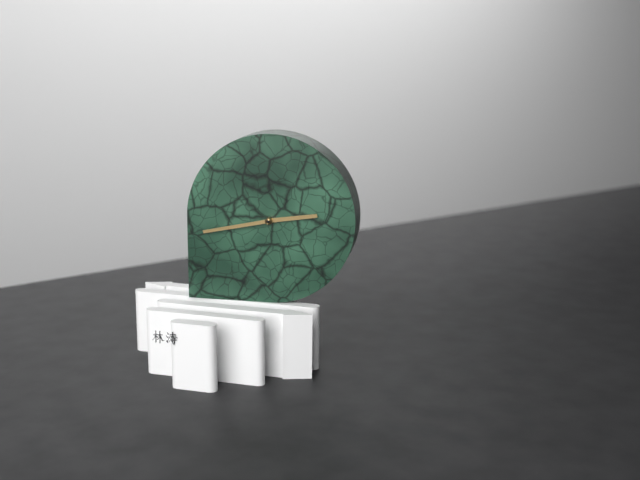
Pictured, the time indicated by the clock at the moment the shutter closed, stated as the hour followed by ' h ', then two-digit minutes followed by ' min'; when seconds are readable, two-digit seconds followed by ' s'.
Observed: 2 h 43 min
